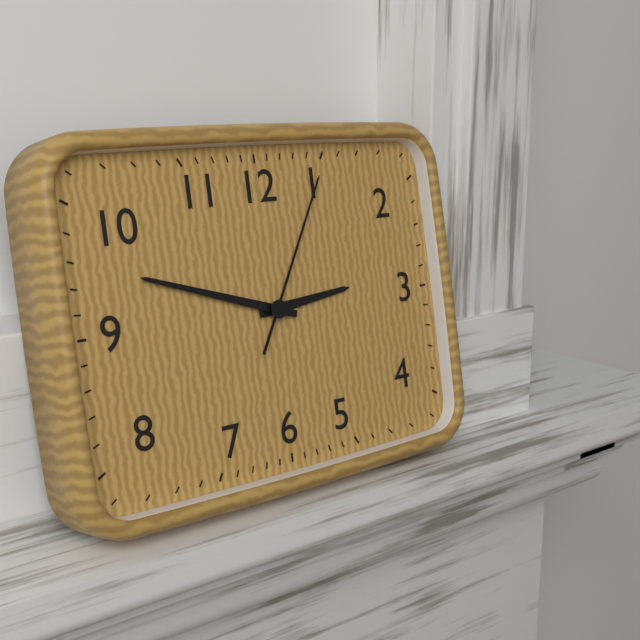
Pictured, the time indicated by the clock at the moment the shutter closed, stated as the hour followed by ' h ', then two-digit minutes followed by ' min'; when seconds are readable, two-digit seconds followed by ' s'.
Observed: 2 h 48 min 05 s
